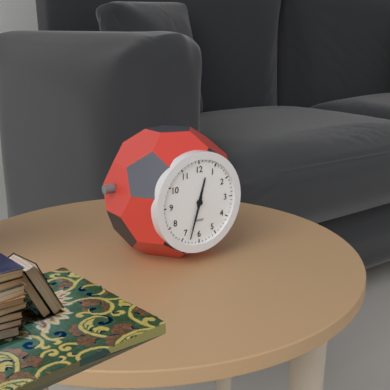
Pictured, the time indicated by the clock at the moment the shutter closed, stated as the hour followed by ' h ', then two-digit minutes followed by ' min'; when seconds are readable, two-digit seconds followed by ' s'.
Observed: 12 h 33 min
